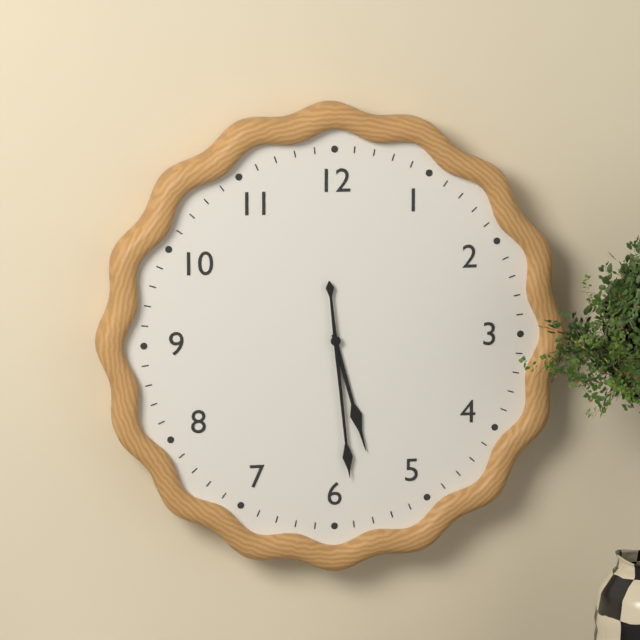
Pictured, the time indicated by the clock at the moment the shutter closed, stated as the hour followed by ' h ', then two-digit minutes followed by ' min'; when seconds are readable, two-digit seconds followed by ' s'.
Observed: 5 h 29 min
